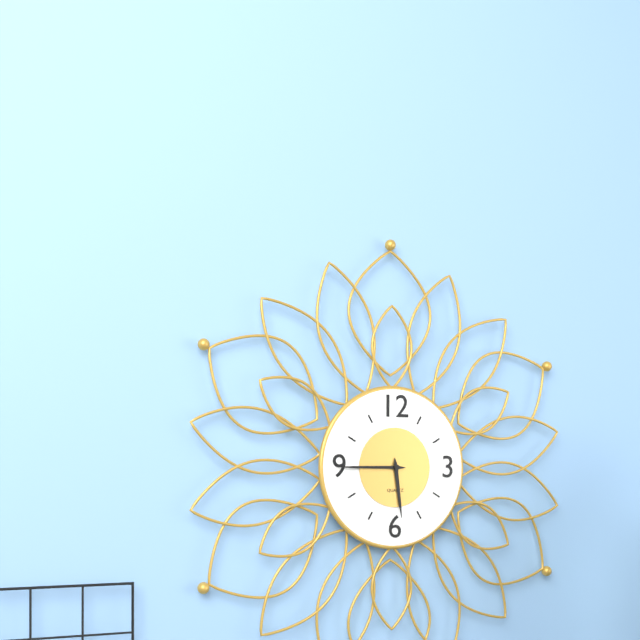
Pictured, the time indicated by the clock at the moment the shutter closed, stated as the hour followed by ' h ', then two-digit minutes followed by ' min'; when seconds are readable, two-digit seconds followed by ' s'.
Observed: 5 h 45 min
